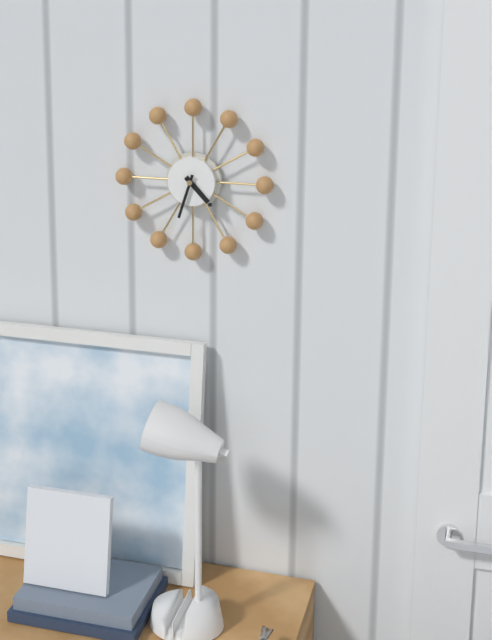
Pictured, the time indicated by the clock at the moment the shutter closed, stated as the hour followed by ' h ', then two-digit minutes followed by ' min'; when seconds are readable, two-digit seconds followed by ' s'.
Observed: 4 h 33 min
